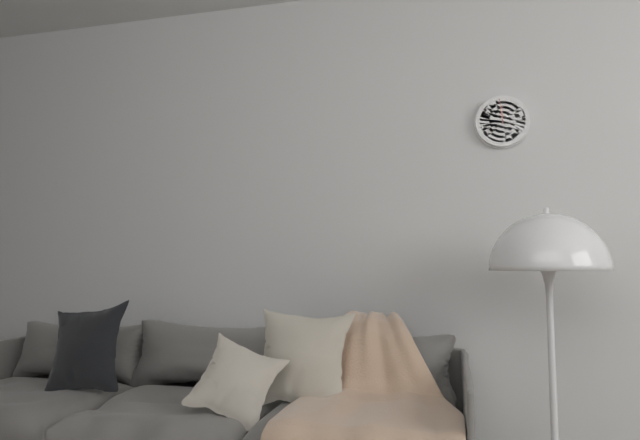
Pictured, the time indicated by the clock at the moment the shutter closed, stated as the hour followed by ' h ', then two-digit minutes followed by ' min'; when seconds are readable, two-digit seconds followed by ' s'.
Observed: 11 h 59 min
